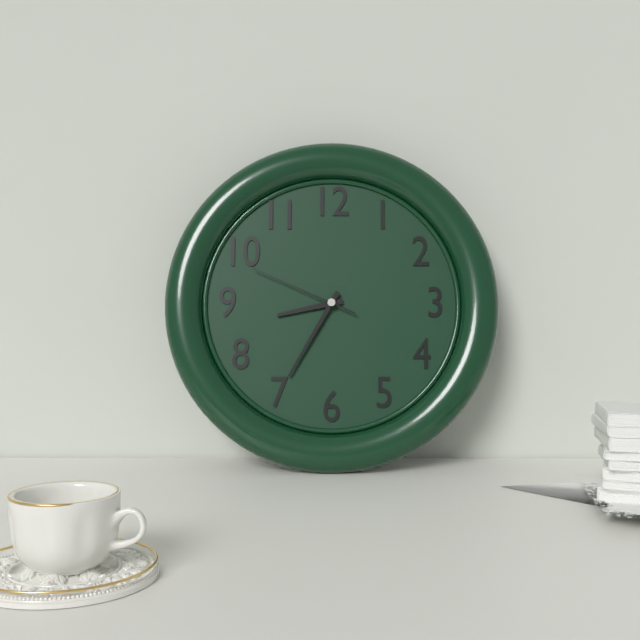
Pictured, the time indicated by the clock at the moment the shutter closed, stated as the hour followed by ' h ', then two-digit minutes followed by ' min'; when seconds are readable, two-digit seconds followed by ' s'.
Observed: 8 h 35 min 49 s
